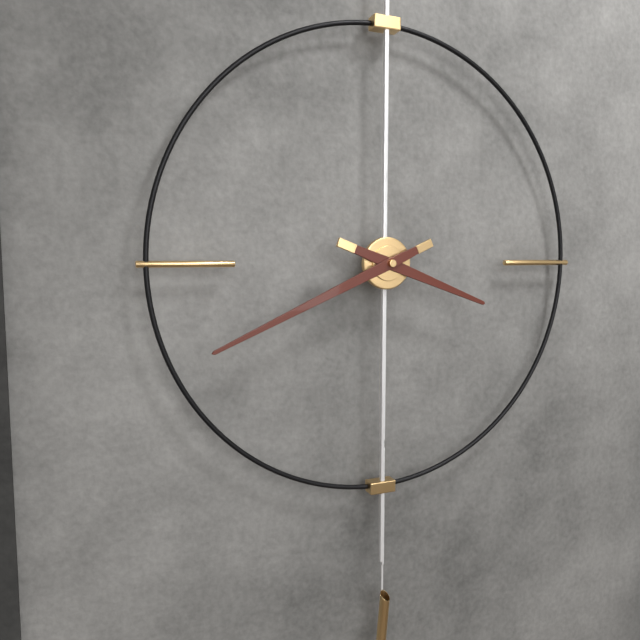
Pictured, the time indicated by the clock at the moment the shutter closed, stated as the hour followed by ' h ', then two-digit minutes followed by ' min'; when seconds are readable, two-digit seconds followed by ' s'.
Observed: 3 h 41 min
